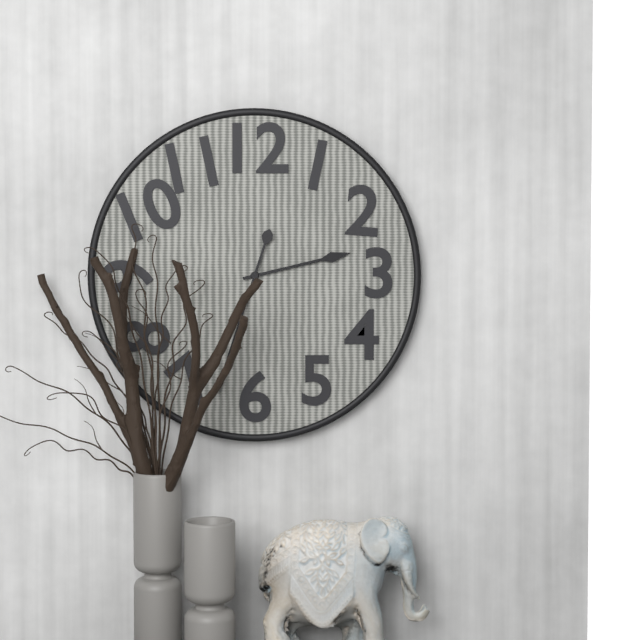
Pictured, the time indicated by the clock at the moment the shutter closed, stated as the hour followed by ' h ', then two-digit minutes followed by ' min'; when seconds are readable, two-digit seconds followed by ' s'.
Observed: 2 h 33 min
